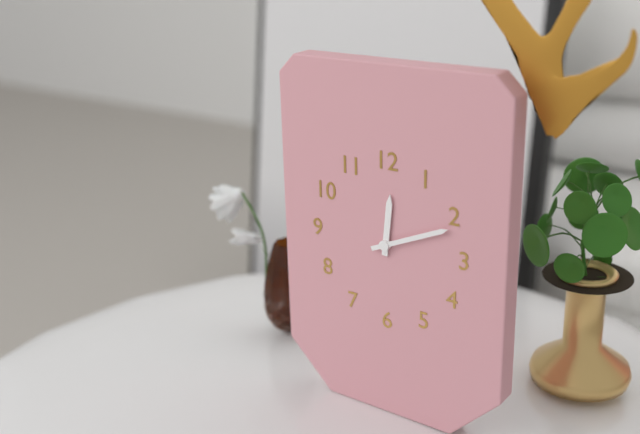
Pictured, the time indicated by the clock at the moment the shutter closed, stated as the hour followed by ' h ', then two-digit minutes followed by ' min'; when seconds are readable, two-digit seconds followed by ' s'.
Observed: 12 h 11 min
